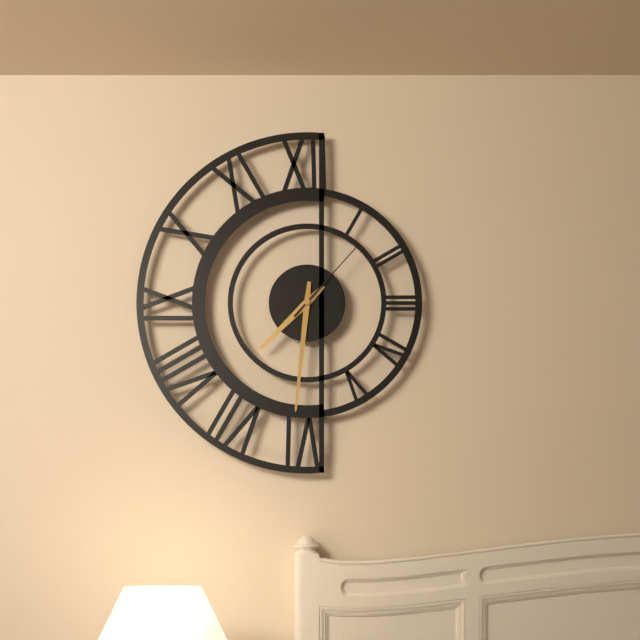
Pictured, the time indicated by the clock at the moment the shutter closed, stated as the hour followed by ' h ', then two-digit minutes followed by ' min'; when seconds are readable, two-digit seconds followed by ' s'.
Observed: 7 h 31 min 07 s
